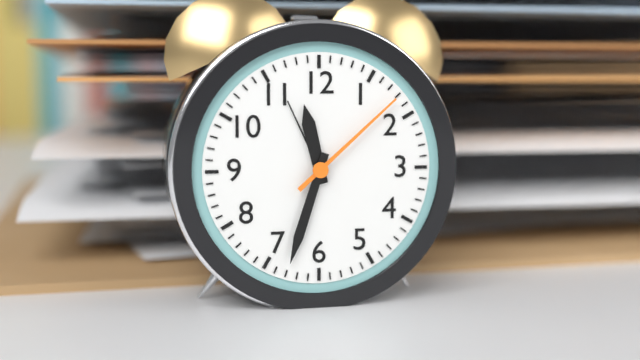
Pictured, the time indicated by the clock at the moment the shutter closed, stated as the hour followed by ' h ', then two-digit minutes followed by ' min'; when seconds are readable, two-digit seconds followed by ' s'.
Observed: 11 h 33 min 08 s
